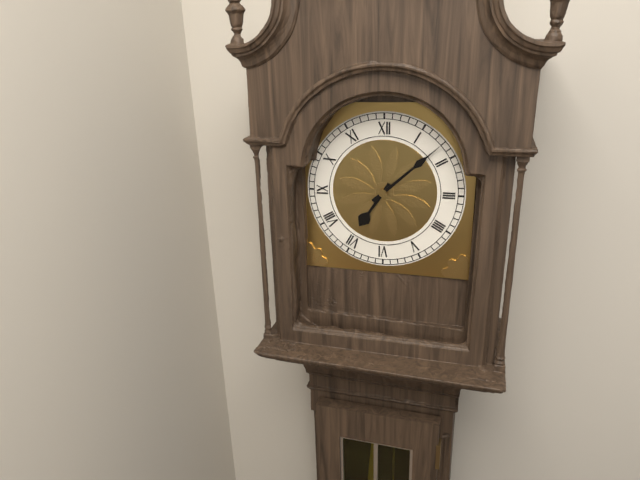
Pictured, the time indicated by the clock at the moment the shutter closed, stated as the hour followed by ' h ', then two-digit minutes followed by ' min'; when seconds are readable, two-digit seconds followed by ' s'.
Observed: 7 h 08 min
